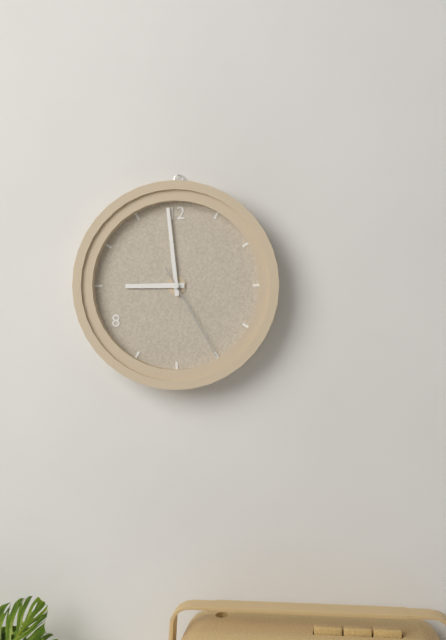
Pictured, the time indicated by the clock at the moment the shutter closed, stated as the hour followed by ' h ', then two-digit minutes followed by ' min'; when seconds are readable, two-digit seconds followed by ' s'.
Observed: 8 h 59 min 25 s
